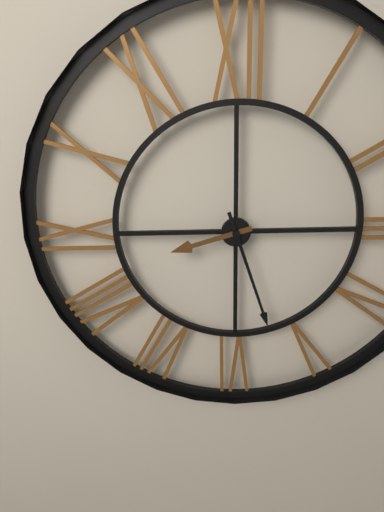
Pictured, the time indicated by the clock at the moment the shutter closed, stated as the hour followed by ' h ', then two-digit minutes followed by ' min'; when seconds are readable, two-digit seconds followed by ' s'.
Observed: 8 h 27 min
